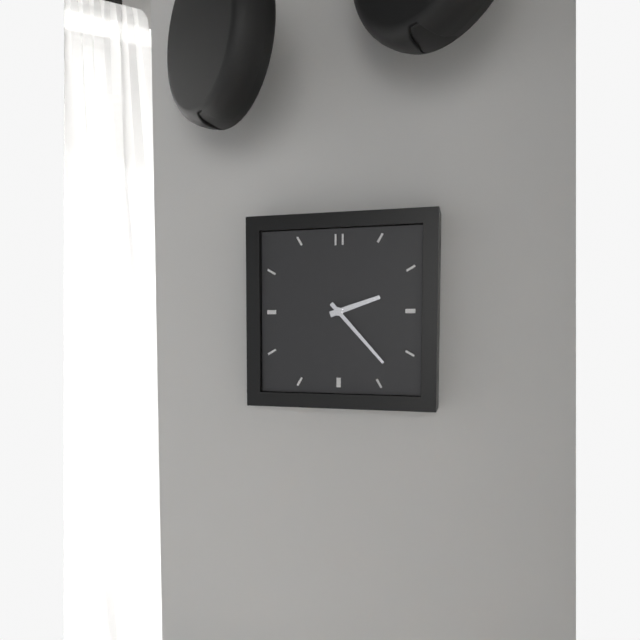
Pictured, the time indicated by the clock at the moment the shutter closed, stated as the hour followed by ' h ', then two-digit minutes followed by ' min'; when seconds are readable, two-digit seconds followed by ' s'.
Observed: 2 h 23 min
